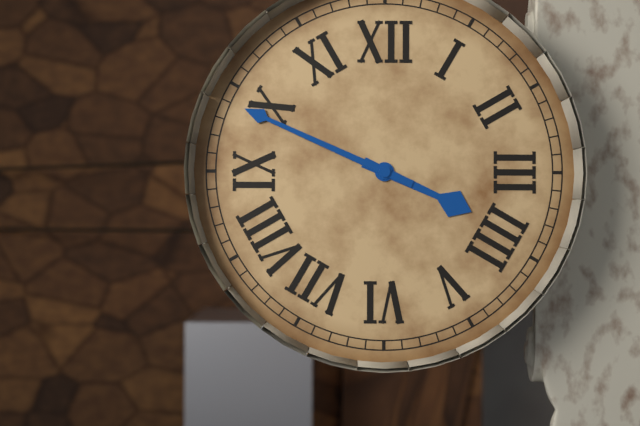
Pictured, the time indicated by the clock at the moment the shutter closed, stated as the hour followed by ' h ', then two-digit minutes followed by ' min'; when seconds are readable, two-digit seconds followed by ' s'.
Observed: 3 h 49 min
